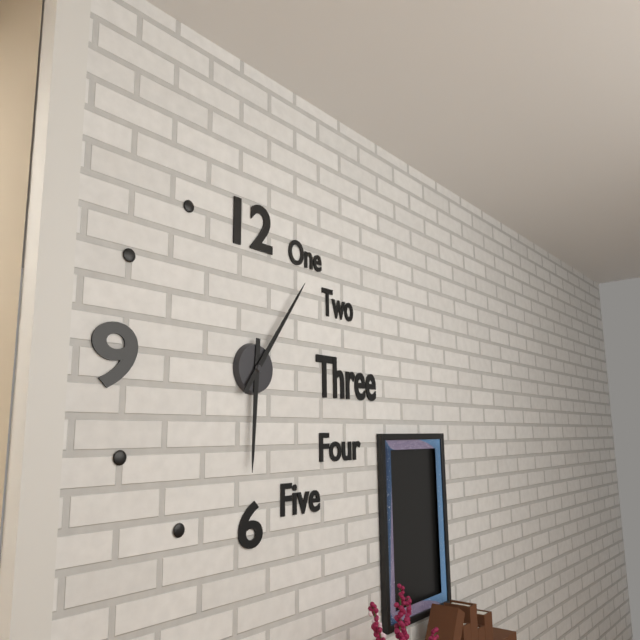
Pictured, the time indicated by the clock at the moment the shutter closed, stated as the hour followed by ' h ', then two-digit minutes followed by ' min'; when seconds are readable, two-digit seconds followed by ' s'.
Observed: 6 h 06 min
